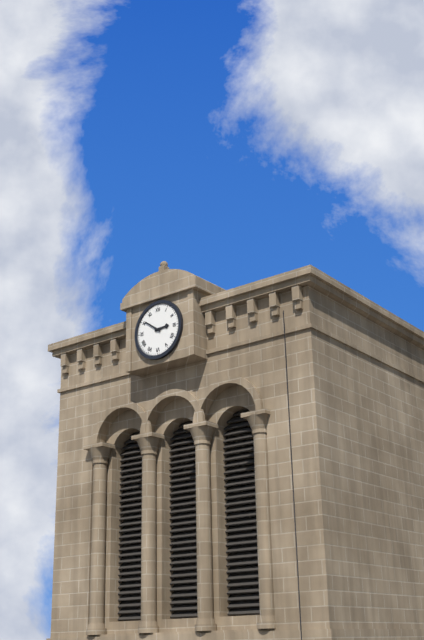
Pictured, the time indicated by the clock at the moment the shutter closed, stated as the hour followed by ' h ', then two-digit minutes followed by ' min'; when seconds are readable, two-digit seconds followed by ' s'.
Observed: 2 h 51 min
